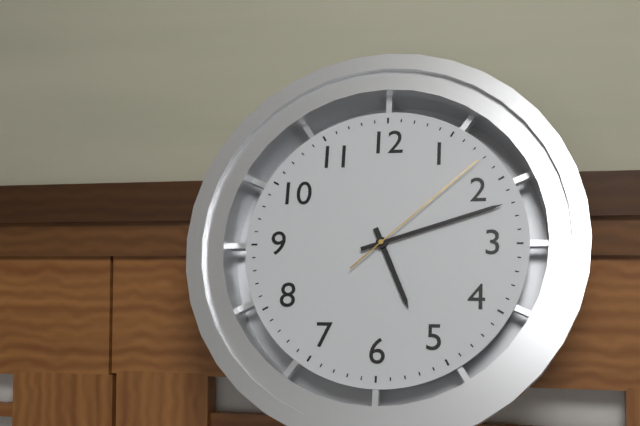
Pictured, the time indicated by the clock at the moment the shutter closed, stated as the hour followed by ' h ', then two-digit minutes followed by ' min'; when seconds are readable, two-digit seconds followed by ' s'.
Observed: 5 h 12 min 08 s
